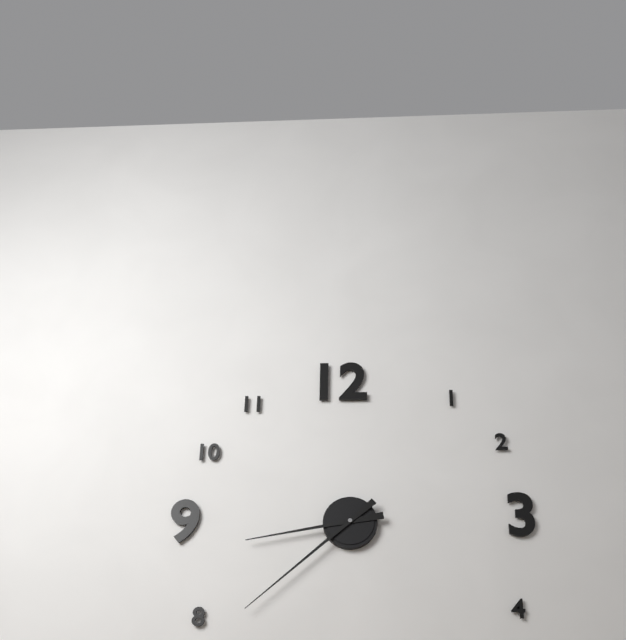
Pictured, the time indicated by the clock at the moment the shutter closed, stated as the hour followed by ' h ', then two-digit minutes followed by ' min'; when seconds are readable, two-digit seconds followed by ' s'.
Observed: 8 h 38 min
